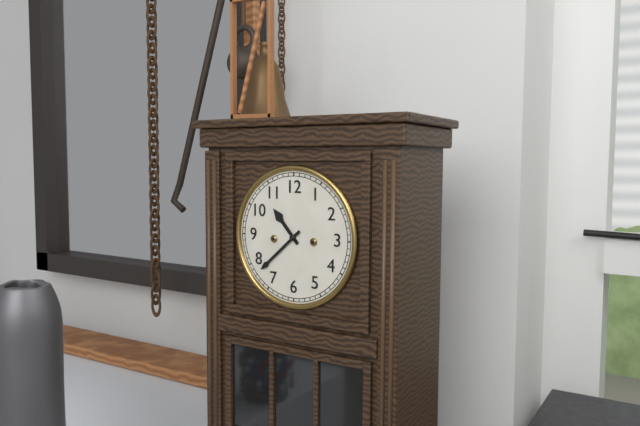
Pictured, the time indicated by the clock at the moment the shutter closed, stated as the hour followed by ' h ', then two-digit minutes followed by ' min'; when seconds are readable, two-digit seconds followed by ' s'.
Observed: 10 h 38 min
